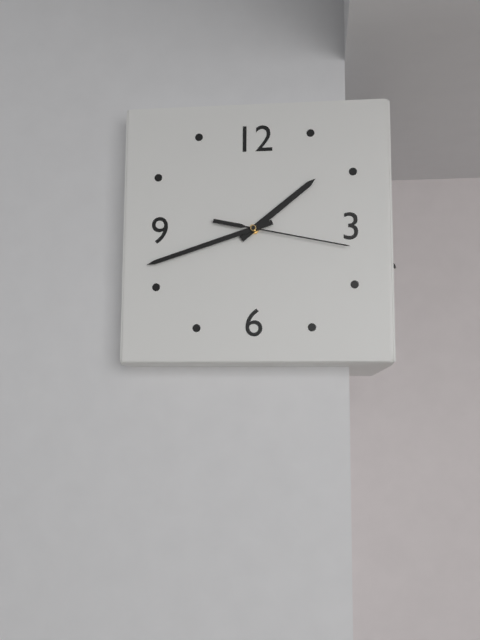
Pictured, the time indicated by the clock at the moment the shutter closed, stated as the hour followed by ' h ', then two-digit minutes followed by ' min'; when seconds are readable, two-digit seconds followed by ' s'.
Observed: 1 h 42 min 17 s
